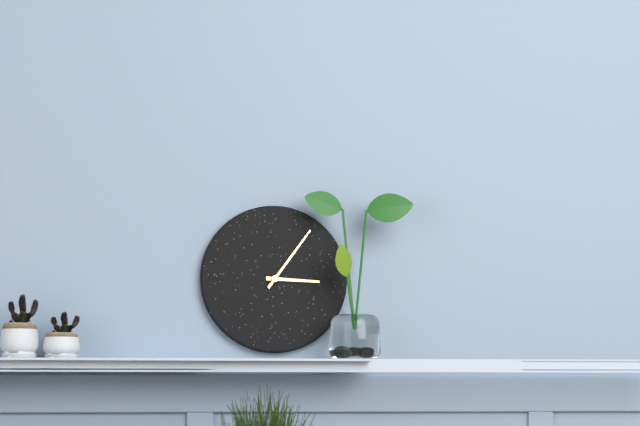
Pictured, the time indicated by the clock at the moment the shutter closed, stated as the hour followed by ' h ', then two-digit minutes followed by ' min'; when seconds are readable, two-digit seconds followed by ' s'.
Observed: 3 h 06 min
